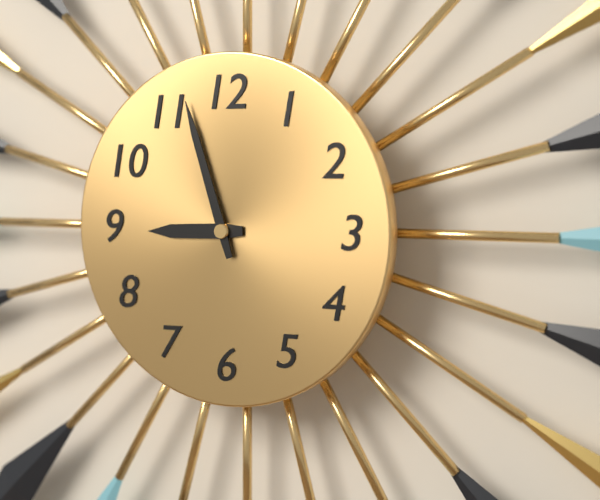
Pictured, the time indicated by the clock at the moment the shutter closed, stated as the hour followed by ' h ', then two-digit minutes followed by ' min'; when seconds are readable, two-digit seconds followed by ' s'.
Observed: 8 h 57 min
